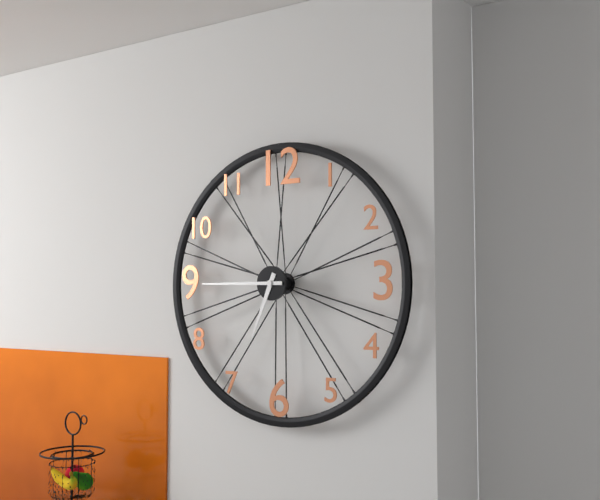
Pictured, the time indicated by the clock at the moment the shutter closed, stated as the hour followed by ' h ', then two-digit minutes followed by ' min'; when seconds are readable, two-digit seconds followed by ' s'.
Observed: 6 h 45 min
